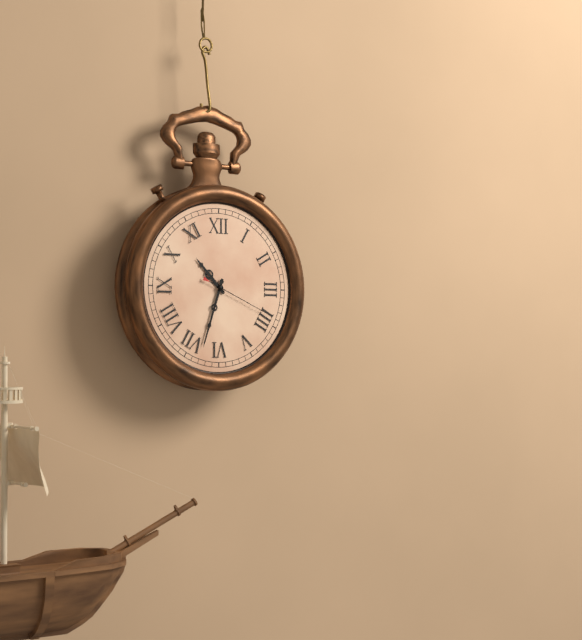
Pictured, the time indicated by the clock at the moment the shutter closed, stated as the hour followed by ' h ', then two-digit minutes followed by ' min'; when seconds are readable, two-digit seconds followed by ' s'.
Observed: 10 h 33 min 19 s
